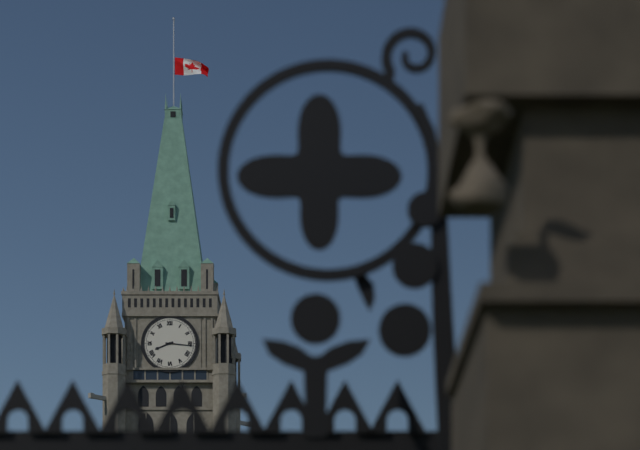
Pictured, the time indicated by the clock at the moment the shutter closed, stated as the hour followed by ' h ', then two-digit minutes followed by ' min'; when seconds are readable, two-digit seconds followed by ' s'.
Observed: 8 h 16 min
